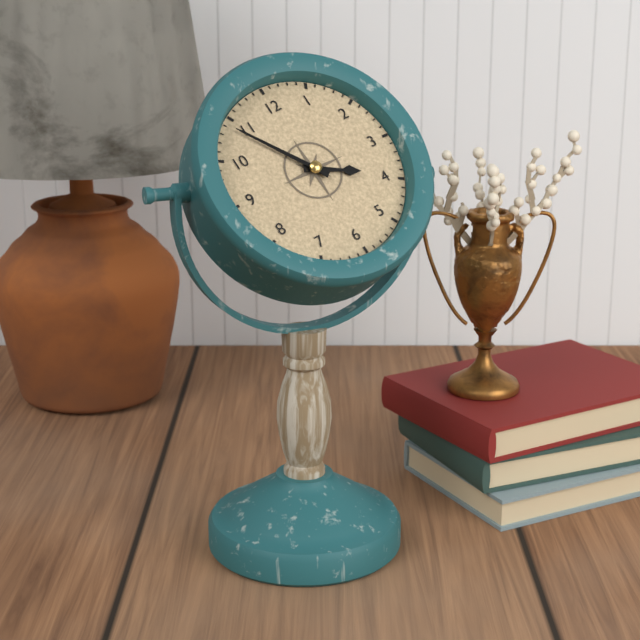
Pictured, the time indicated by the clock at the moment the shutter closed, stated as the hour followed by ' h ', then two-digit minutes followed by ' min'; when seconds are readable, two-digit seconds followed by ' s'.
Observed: 3 h 54 min
